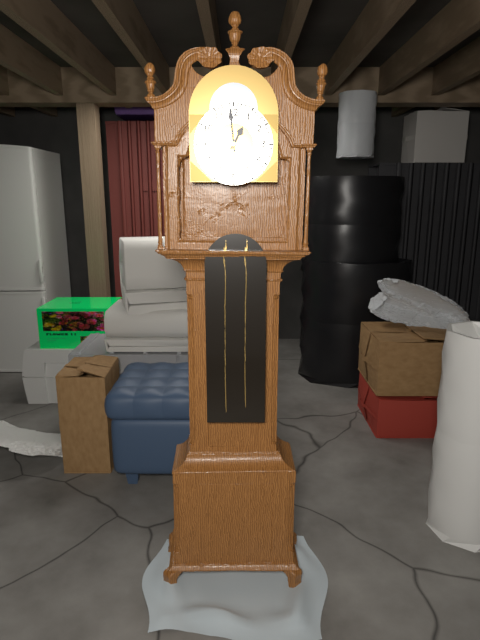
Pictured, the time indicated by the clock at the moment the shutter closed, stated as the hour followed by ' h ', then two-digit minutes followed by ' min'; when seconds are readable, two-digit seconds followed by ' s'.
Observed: 12 h 59 min
